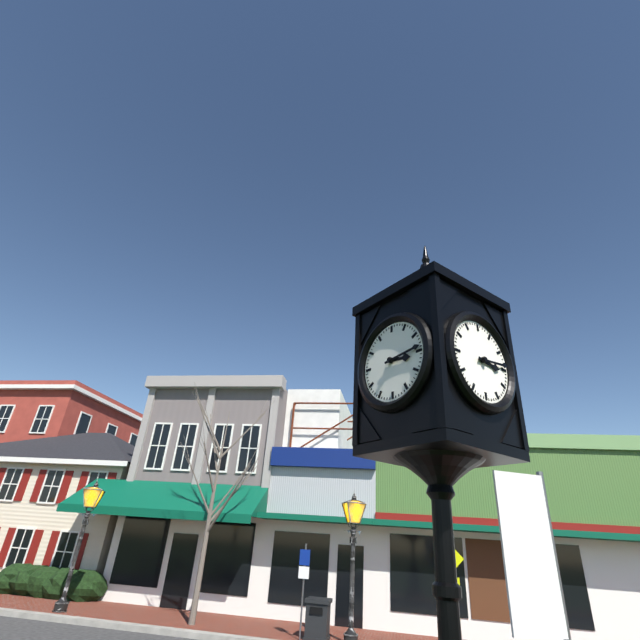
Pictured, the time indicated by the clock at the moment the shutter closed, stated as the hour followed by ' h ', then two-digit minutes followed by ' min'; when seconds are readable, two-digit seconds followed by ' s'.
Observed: 3 h 14 min
